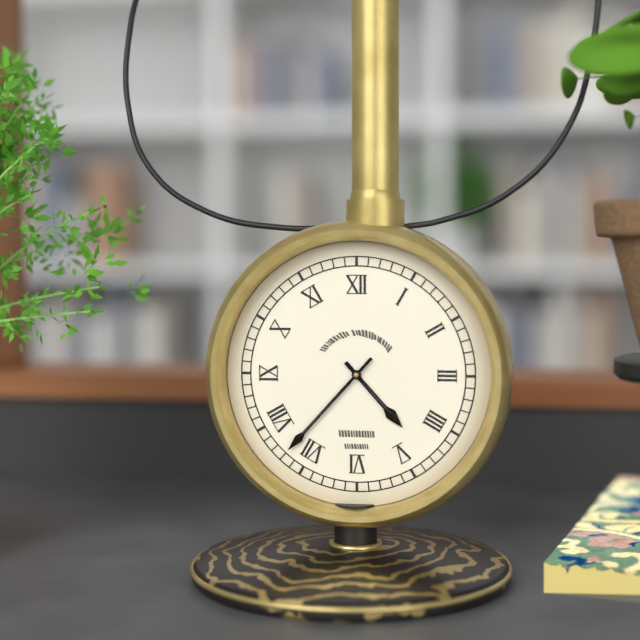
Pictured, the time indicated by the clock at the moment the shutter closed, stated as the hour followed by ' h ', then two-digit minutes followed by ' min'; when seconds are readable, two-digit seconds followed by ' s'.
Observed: 4 h 37 min
